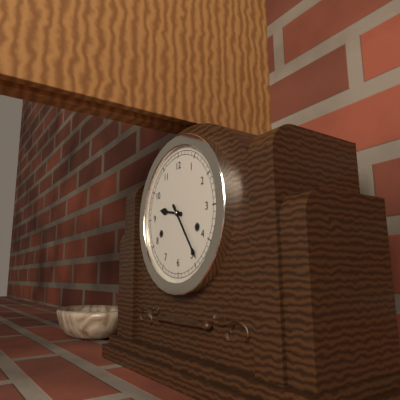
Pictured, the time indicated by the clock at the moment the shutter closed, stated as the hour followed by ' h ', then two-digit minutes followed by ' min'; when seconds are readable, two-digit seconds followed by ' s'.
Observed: 9 h 24 min
